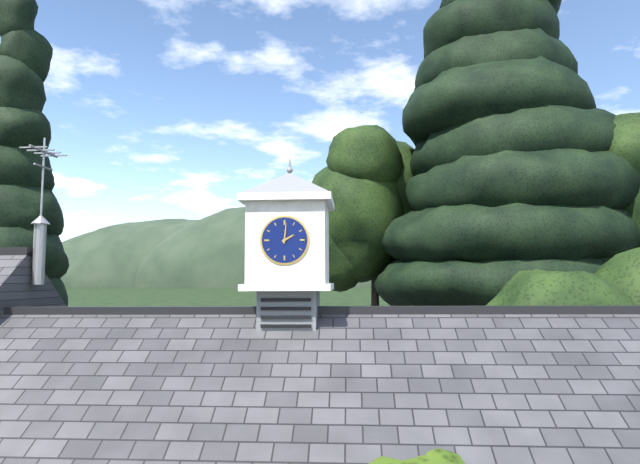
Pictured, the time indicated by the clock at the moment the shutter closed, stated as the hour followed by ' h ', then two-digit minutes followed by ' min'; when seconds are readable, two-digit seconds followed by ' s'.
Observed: 2 h 01 min
